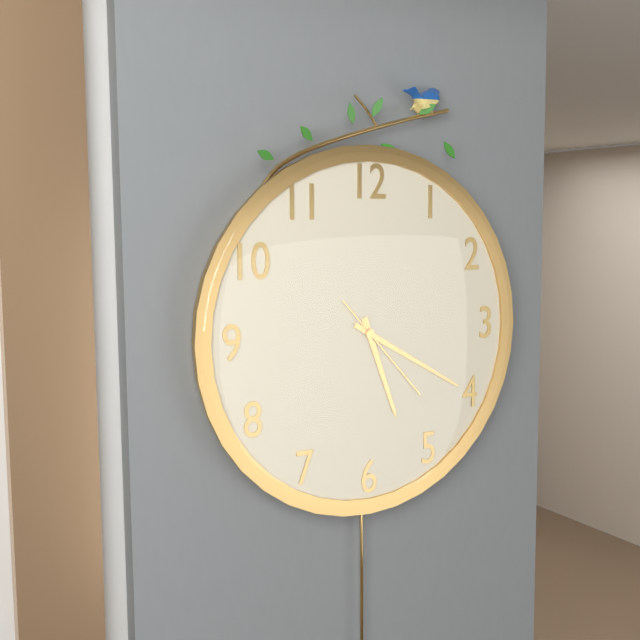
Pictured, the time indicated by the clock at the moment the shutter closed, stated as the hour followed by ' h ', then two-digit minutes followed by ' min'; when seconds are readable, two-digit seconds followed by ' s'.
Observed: 5 h 20 min 23 s
